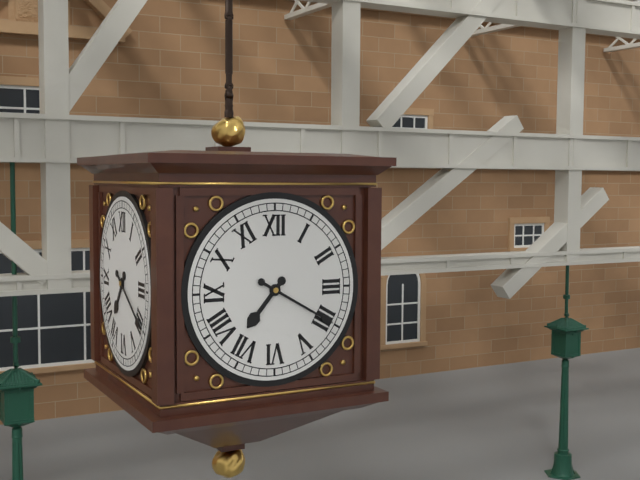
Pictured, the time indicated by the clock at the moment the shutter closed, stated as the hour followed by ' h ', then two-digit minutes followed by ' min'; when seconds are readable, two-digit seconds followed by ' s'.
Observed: 7 h 20 min
